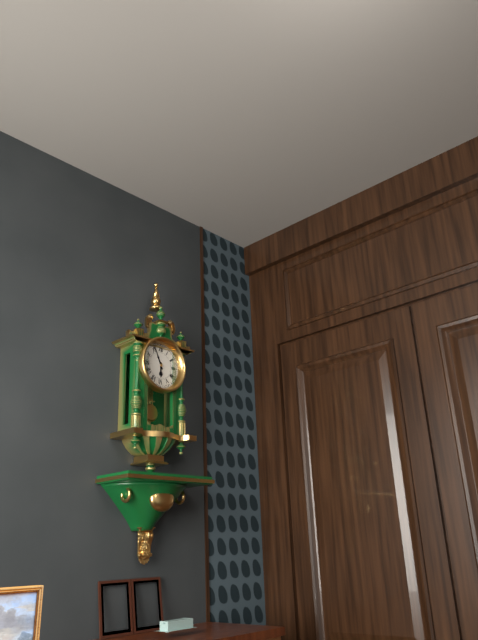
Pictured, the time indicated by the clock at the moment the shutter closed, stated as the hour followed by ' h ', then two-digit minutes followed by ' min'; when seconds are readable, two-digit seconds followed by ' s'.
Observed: 5 h 56 min
